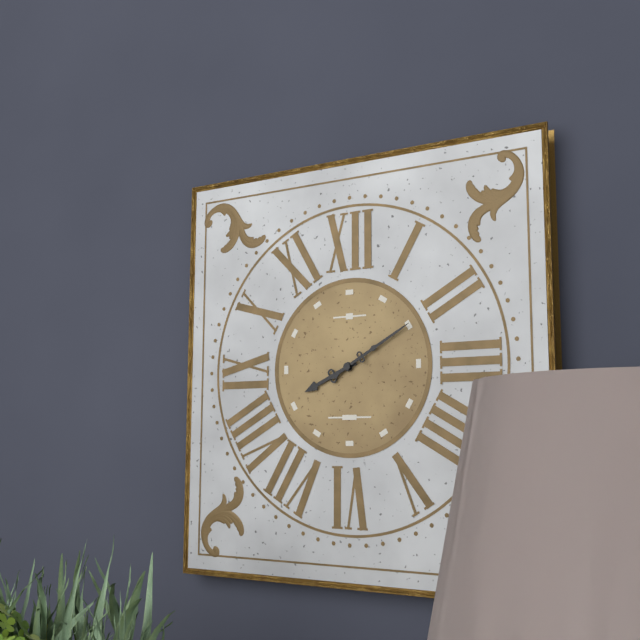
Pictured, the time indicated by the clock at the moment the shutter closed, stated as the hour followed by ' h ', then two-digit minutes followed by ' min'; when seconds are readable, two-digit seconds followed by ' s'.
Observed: 8 h 10 min
